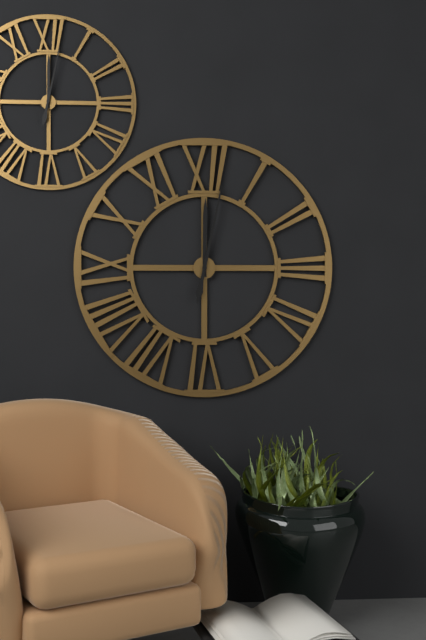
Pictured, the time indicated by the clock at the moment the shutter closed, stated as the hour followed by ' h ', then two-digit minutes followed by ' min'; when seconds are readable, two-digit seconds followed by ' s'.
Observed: 12 h 02 min
